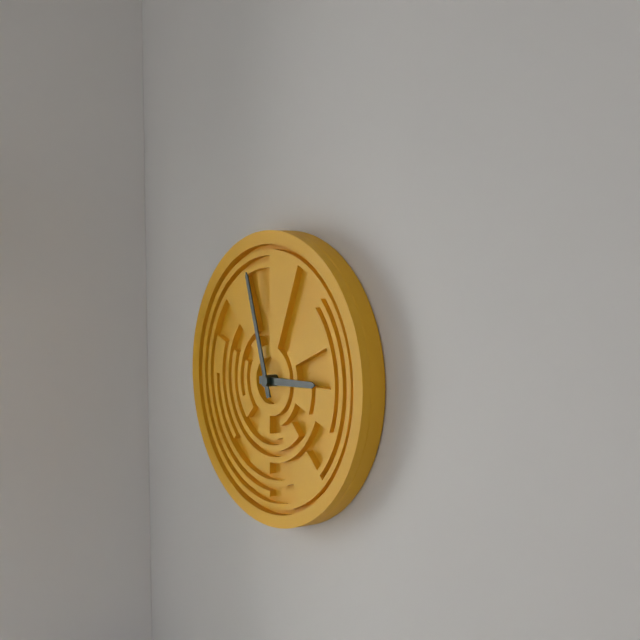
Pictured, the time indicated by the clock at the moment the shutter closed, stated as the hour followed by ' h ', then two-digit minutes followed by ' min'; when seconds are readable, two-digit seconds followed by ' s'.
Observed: 2 h 57 min
